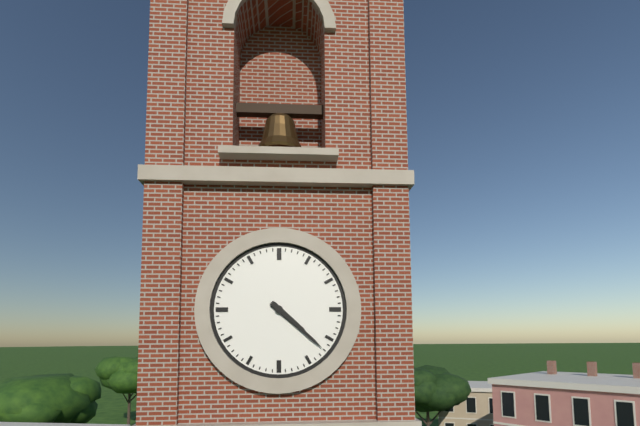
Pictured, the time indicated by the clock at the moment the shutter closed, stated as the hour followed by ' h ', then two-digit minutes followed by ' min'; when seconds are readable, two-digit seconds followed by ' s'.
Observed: 4 h 22 min
